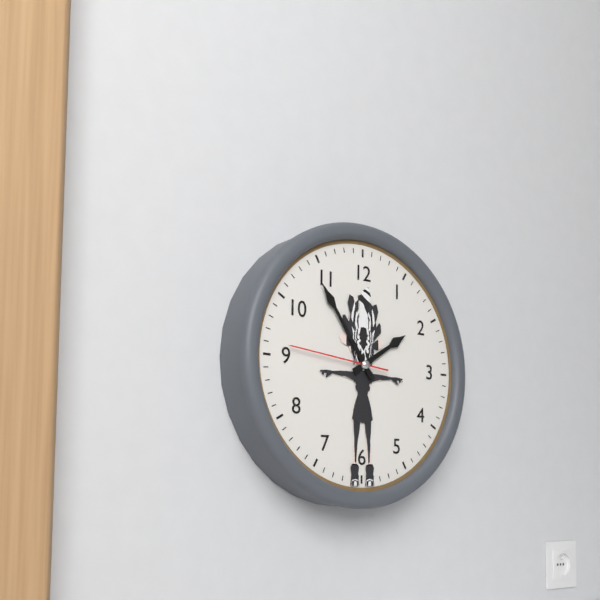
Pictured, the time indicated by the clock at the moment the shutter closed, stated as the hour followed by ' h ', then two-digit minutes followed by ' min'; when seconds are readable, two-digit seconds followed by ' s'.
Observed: 1 h 54 min 46 s
